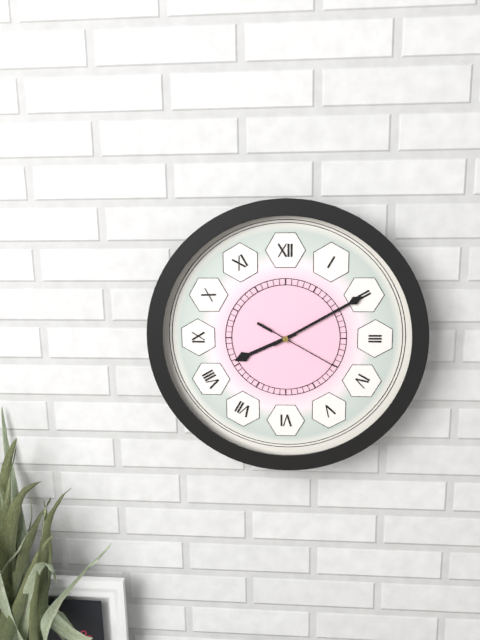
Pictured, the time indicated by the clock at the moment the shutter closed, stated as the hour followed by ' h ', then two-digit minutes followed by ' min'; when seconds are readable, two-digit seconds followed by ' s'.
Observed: 8 h 10 min 20 s
